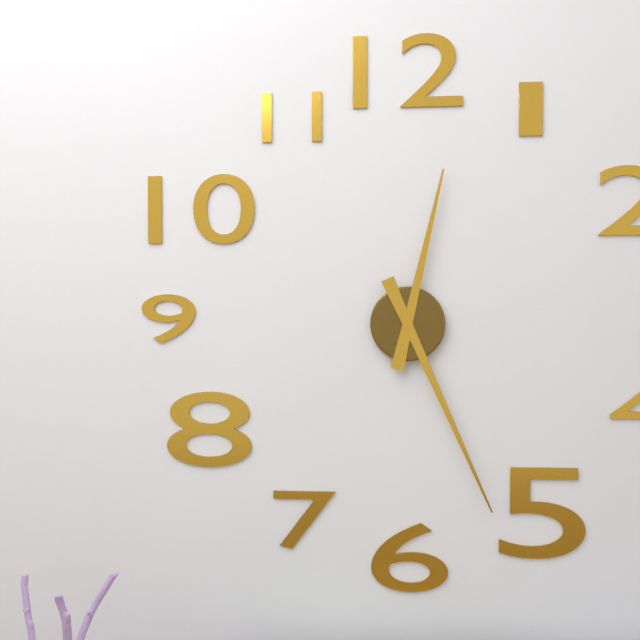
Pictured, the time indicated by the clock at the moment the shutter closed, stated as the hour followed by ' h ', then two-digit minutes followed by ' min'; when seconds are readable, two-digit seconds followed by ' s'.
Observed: 12 h 26 min
